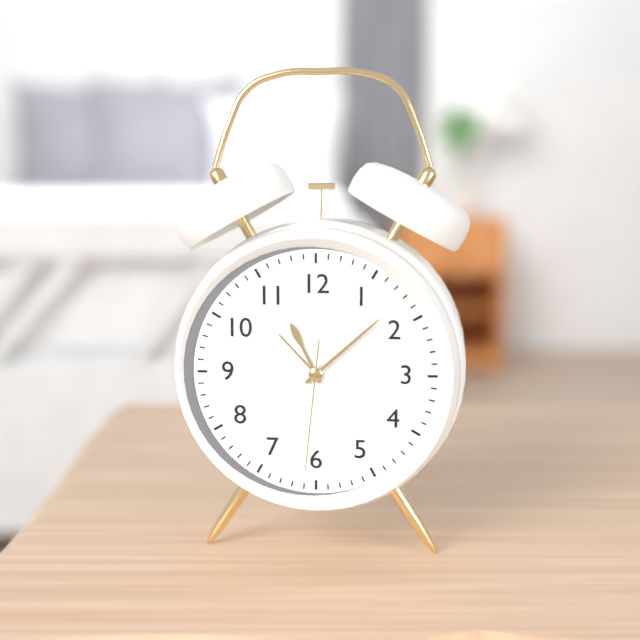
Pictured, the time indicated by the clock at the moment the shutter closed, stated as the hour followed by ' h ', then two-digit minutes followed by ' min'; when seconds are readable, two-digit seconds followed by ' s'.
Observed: 11 h 08 min 31 s
